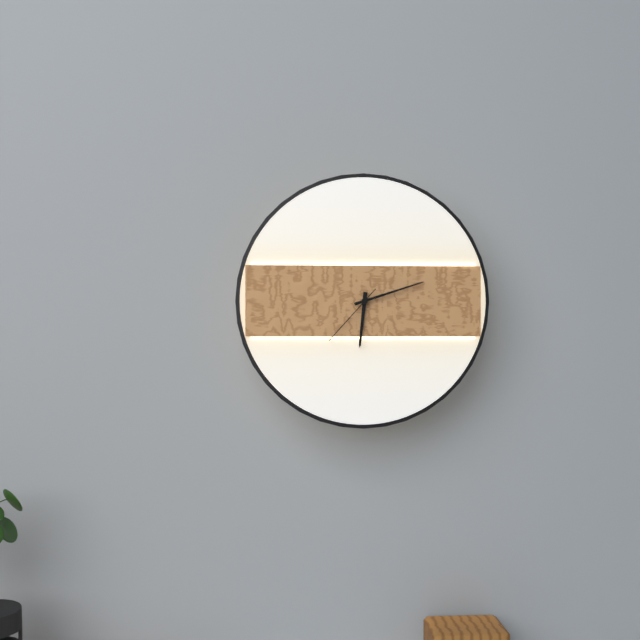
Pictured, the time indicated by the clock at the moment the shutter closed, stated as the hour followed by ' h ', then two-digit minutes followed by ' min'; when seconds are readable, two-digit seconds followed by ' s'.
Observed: 6 h 12 min 37 s
